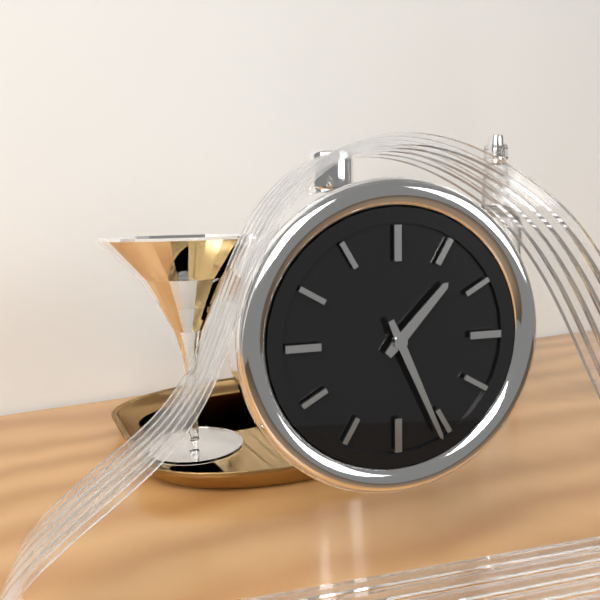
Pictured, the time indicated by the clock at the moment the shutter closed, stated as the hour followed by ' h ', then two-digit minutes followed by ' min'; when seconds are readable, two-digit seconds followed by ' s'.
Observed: 1 h 26 min
